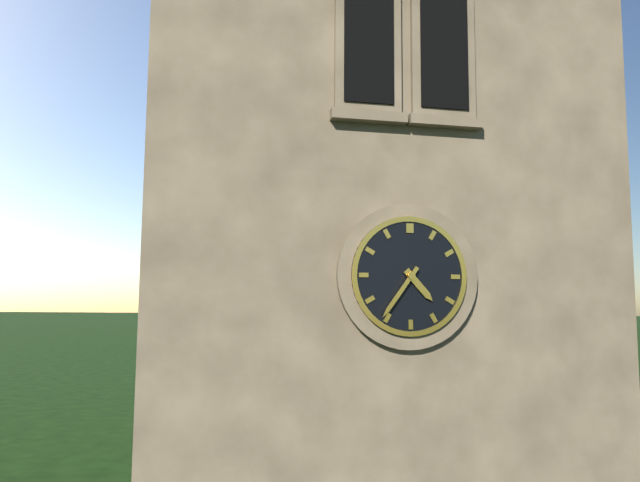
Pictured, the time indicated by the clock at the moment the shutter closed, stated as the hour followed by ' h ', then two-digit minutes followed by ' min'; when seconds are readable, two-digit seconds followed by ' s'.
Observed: 4 h 36 min
